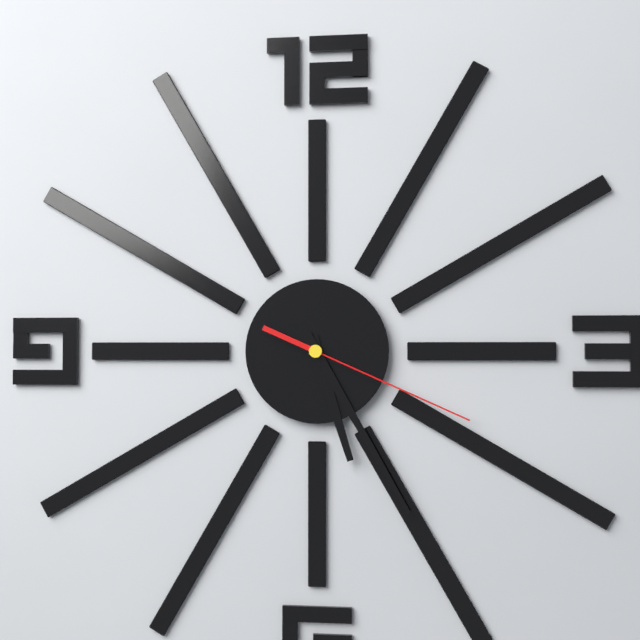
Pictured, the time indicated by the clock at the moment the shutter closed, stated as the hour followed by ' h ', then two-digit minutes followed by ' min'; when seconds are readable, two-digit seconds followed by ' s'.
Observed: 5 h 25 min 19 s
